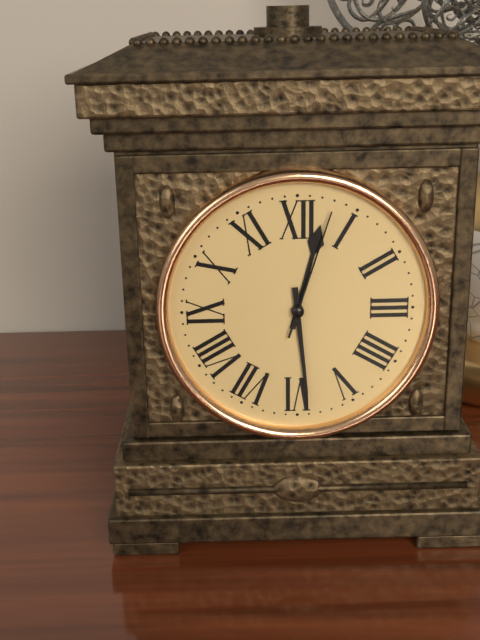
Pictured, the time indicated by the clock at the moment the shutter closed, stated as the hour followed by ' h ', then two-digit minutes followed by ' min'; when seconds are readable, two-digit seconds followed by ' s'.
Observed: 12 h 29 min 03 s
